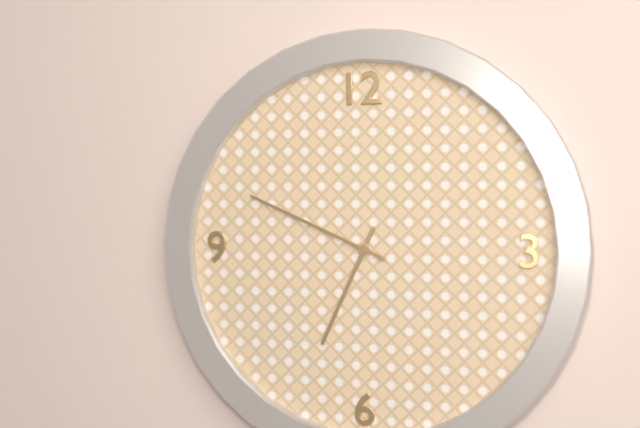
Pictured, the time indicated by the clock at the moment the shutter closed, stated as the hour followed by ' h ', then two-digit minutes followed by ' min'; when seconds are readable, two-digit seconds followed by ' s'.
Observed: 6 h 49 min
